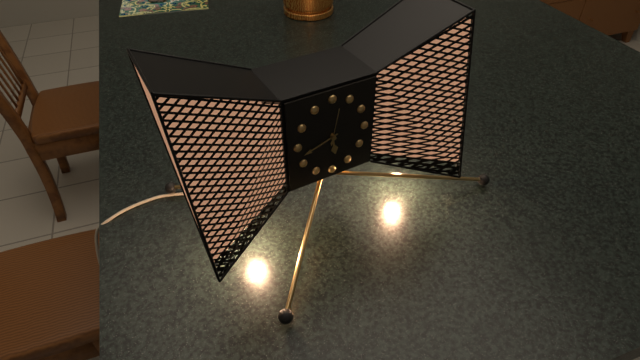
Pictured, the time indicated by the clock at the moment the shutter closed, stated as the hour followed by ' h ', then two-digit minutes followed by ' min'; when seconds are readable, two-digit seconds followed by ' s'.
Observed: 5 h 42 min
